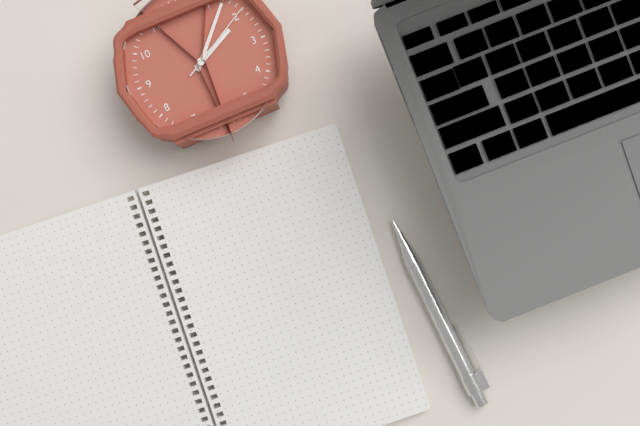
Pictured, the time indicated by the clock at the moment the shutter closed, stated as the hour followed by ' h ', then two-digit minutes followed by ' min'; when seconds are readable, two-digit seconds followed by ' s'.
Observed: 2 h 07 min 10 s
